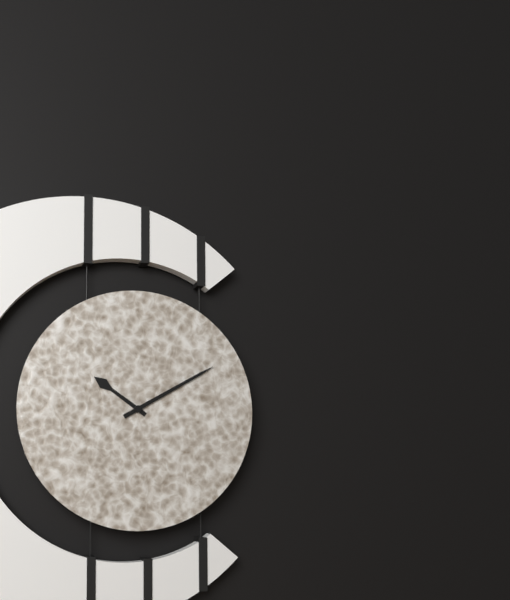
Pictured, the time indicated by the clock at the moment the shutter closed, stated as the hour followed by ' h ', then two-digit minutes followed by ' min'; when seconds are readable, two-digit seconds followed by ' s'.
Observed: 10 h 10 min
